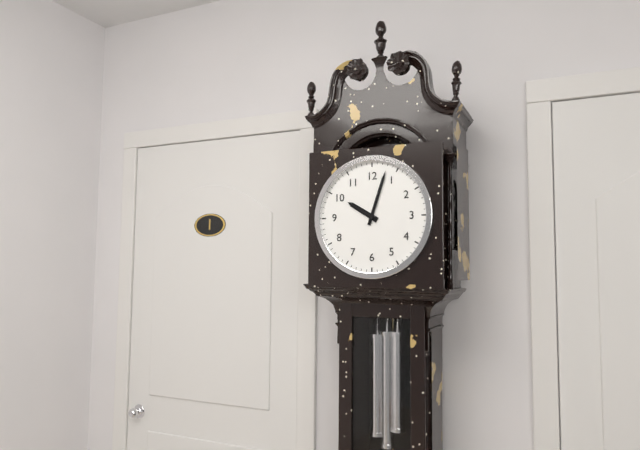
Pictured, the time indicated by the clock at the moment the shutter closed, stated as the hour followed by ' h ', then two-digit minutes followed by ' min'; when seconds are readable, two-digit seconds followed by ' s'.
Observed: 10 h 03 min
